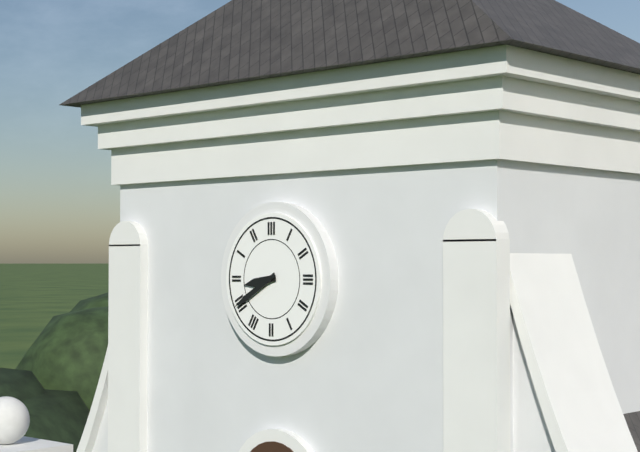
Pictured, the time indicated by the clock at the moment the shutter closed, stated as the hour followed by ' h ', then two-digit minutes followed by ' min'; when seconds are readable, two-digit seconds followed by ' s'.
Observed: 8 h 40 min
